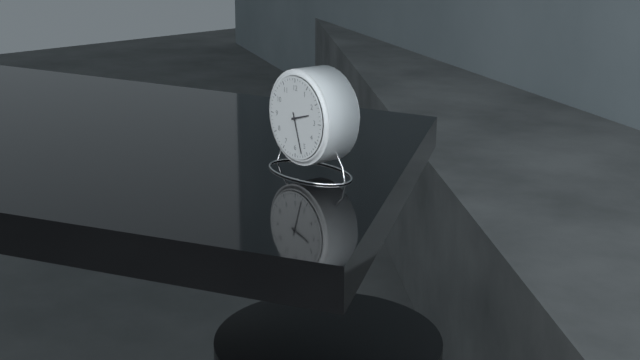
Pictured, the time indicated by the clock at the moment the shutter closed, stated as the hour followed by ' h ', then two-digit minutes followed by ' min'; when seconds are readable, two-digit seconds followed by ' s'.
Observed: 2 h 27 min
